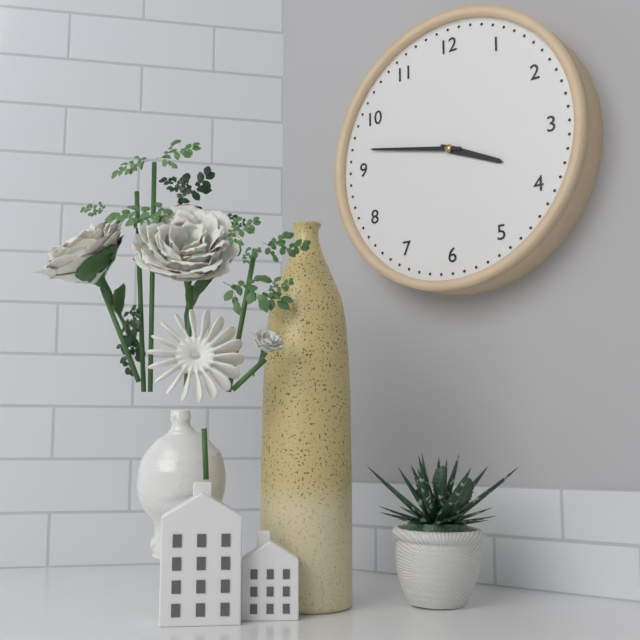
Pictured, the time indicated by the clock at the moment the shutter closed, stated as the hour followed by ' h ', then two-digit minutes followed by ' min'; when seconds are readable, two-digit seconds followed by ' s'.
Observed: 3 h 47 min
